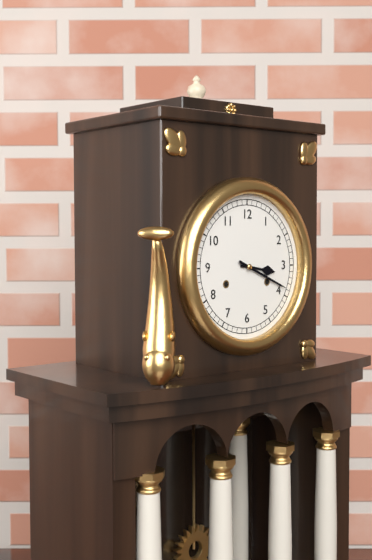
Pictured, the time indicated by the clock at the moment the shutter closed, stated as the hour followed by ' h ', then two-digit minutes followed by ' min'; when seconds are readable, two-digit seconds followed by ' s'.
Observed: 3 h 19 min
